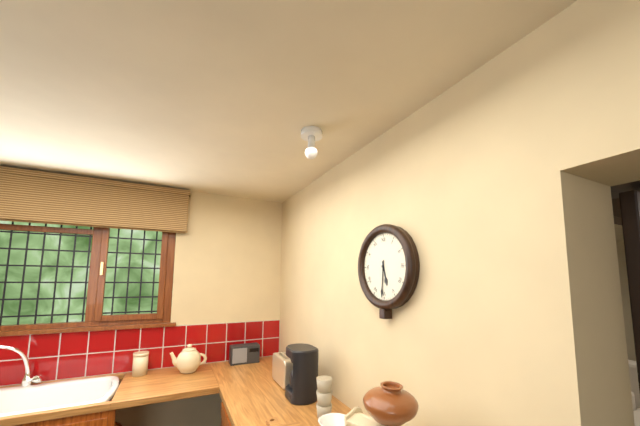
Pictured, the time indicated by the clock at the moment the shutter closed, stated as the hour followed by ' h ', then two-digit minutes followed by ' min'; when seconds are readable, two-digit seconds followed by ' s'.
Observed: 5 h 31 min
